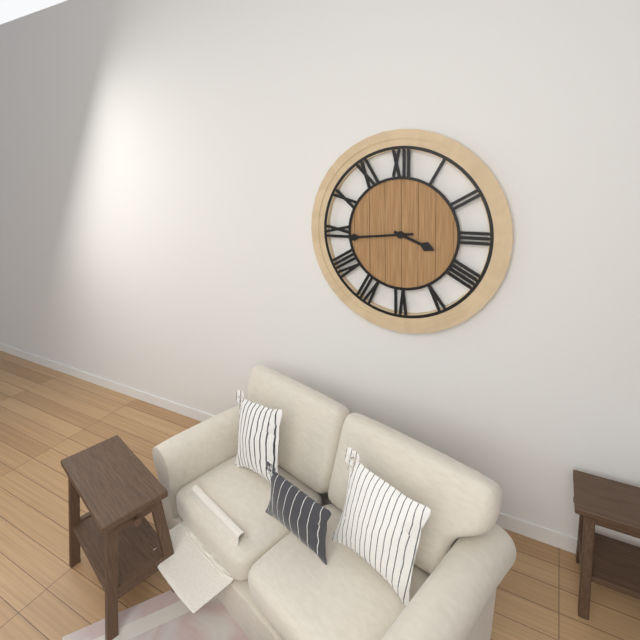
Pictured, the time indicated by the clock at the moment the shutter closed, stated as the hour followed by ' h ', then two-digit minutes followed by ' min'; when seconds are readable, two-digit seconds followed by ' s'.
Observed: 3 h 44 min
